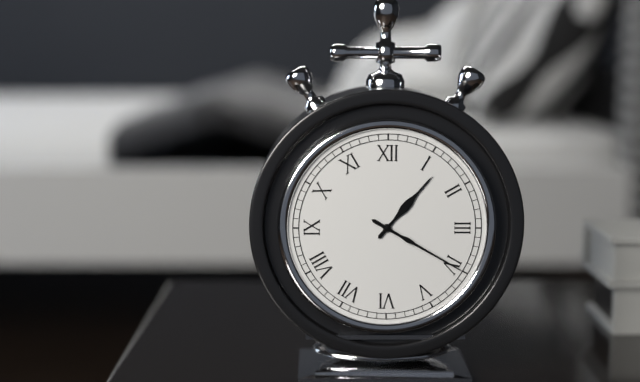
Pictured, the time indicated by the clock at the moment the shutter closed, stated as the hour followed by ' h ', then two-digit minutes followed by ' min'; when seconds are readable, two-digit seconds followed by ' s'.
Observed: 1 h 20 min
